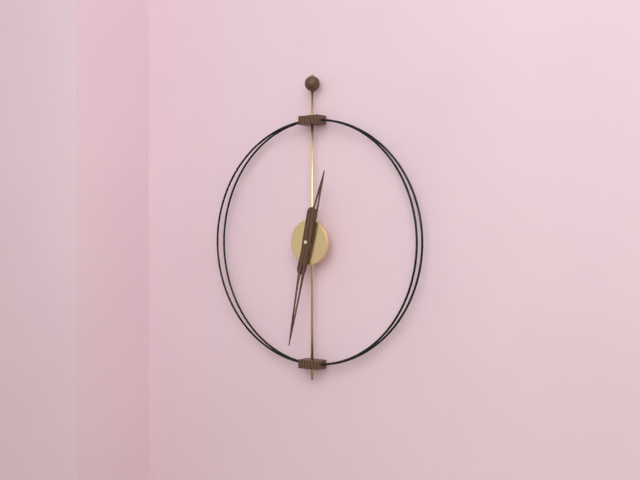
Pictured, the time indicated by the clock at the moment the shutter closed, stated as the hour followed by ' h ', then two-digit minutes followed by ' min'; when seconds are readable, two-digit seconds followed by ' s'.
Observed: 12 h 32 min
